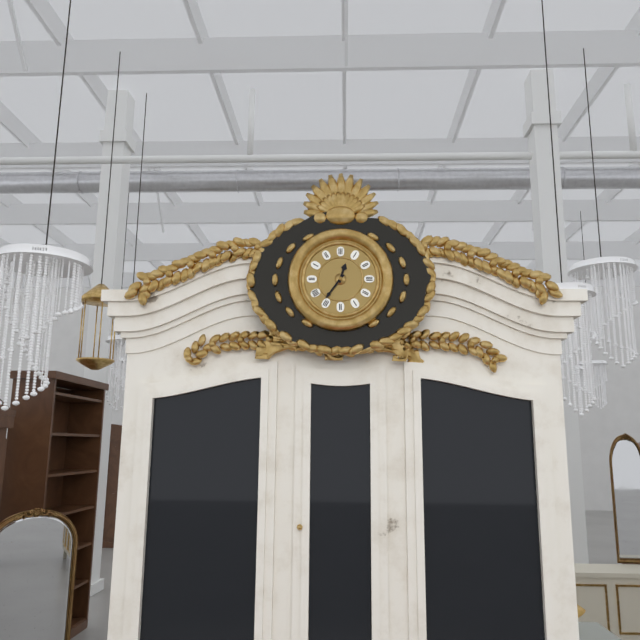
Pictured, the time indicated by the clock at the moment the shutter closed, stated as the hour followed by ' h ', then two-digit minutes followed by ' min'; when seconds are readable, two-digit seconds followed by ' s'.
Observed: 12 h 36 min
